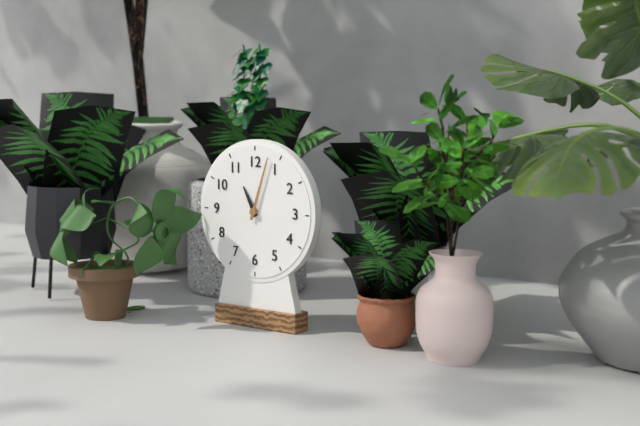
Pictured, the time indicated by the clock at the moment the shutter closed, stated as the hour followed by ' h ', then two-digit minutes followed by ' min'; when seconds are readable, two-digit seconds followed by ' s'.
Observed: 11 h 03 min
